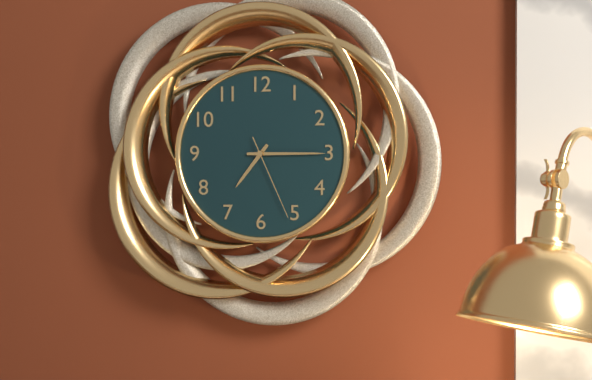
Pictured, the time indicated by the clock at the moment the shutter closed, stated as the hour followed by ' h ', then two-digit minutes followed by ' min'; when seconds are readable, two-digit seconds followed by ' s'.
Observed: 7 h 15 min 26 s
